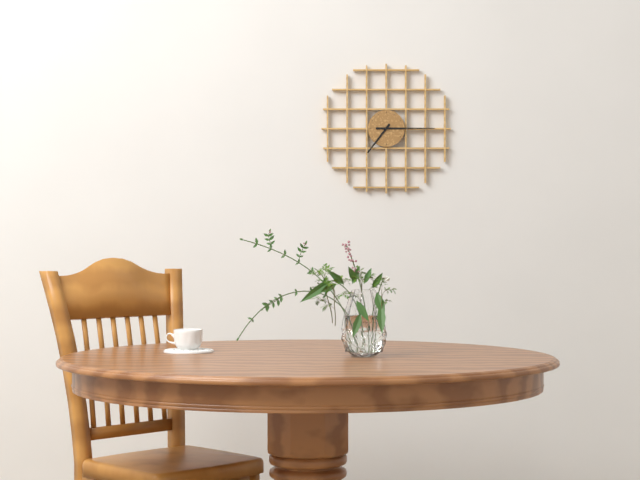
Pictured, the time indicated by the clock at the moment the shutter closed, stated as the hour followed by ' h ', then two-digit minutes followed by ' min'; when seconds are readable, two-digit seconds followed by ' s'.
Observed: 7 h 15 min
